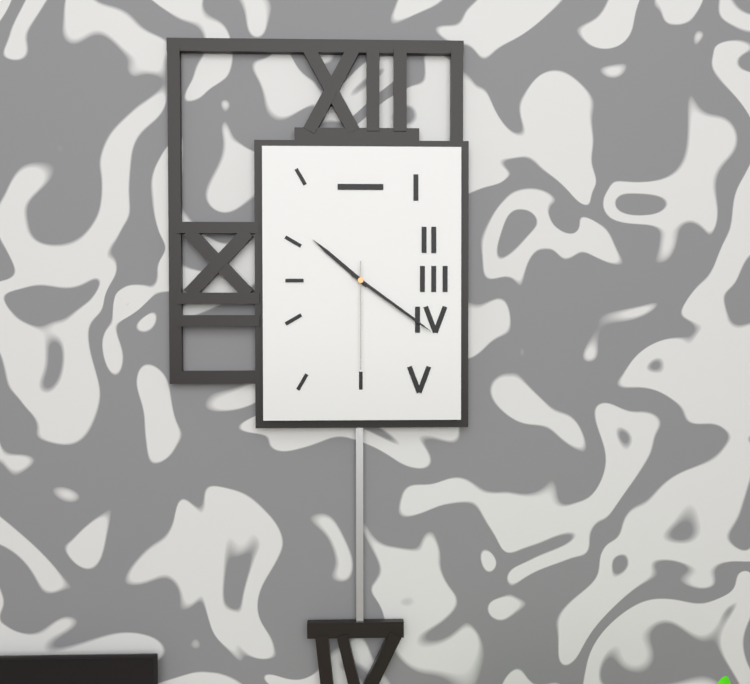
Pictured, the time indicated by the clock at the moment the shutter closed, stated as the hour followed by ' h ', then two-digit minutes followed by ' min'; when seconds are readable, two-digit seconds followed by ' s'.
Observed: 10 h 21 min 30 s
